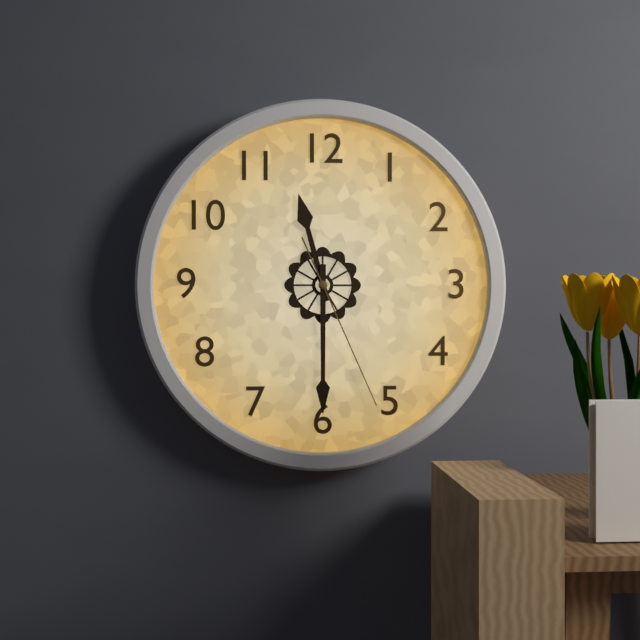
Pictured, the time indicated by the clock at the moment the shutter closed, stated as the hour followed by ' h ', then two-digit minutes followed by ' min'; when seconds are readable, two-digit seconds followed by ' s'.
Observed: 11 h 30 min 26 s
